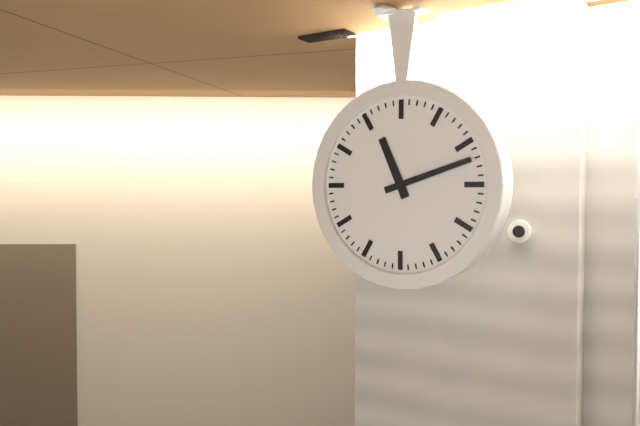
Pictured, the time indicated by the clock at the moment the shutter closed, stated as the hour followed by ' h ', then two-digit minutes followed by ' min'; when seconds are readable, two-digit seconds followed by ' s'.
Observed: 11 h 12 min
